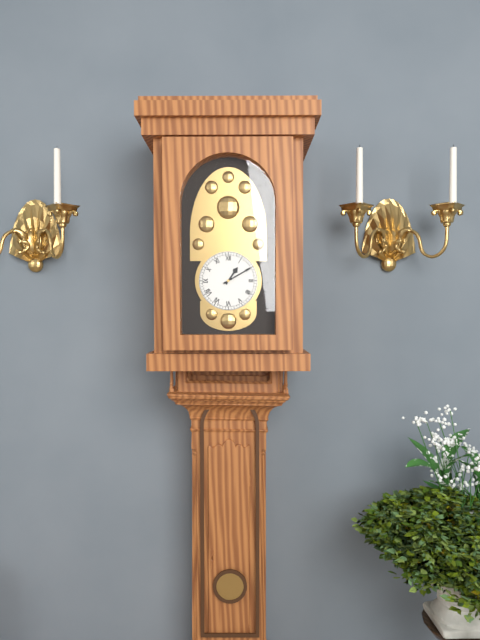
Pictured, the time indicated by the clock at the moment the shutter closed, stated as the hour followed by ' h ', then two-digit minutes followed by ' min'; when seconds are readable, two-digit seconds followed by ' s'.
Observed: 1 h 10 min
